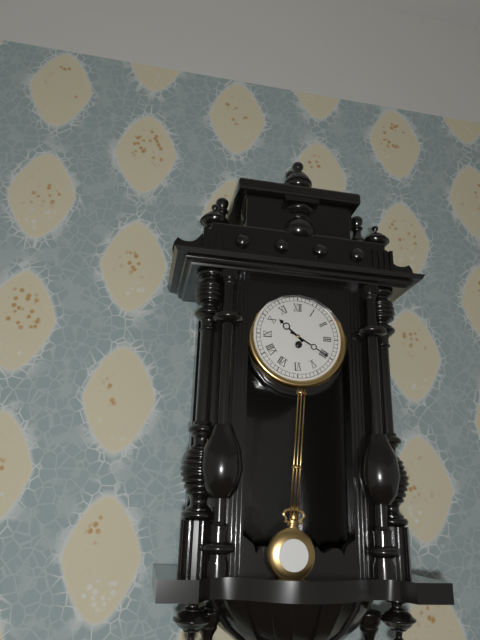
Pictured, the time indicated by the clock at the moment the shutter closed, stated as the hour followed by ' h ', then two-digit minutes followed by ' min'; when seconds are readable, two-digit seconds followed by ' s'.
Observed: 10 h 20 min
